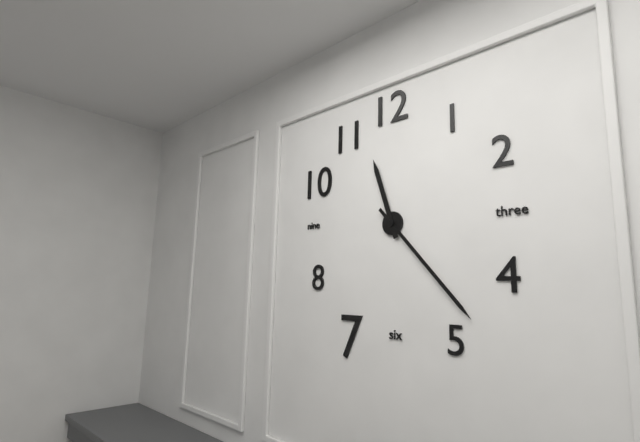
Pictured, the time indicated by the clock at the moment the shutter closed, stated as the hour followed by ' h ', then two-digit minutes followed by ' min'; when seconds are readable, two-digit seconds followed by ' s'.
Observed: 11 h 23 min
